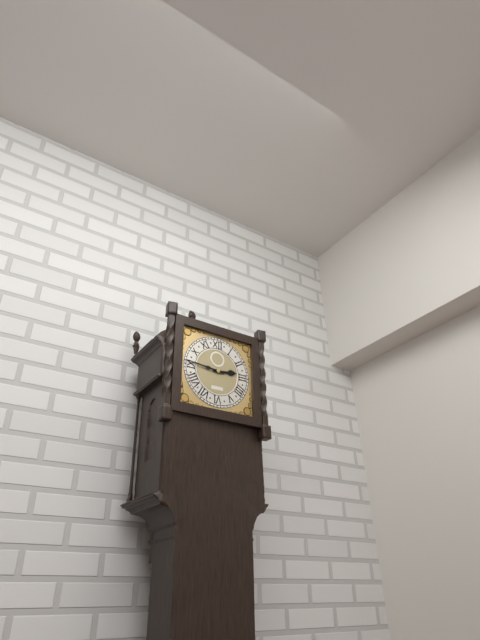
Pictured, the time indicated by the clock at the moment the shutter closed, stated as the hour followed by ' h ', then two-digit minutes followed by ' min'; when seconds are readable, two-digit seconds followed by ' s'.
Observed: 2 h 46 min
